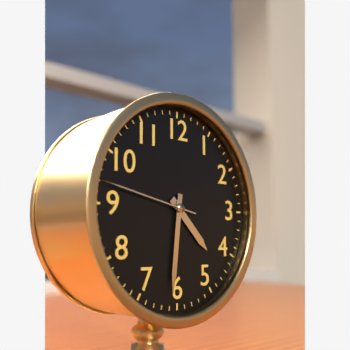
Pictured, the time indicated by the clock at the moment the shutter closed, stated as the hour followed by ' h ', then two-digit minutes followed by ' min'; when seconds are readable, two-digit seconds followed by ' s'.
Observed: 4 h 31 min 47 s
